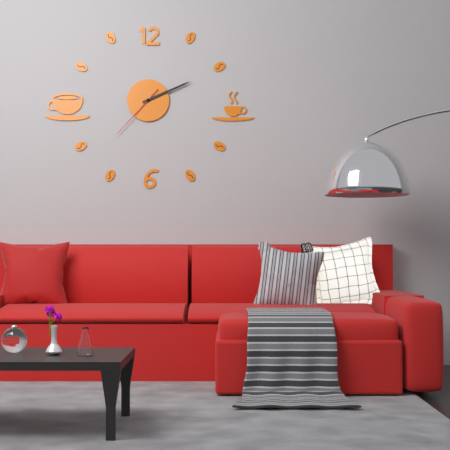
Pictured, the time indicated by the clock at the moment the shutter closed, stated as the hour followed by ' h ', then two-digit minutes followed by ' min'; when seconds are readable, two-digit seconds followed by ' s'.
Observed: 2 h 11 min 37 s
